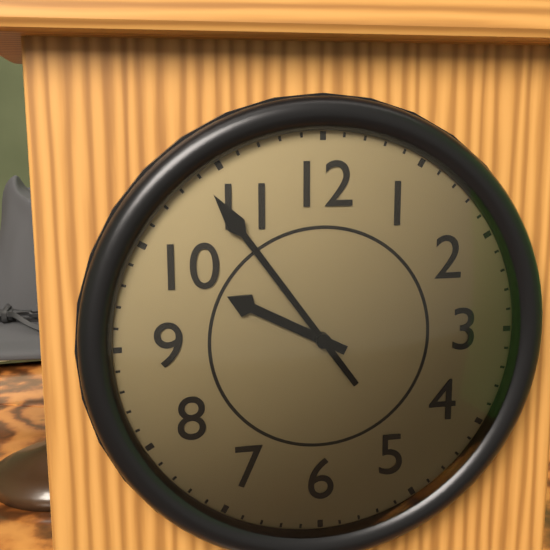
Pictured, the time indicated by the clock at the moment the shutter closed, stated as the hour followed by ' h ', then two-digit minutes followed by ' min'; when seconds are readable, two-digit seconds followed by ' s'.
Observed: 9 h 54 min
